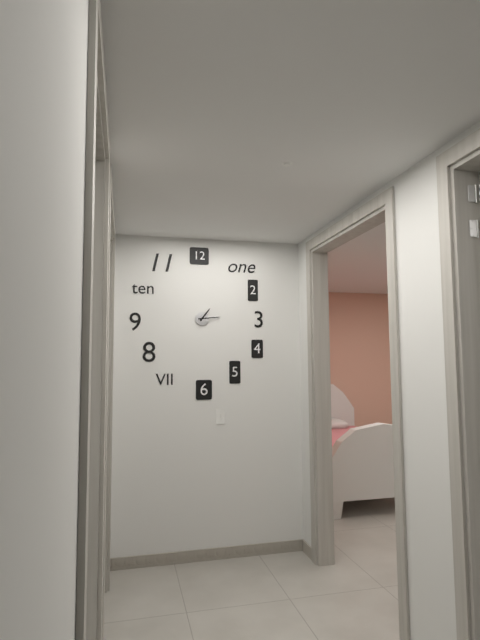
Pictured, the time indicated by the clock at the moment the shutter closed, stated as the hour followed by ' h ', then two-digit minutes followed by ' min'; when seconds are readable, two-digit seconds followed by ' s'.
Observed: 1 h 14 min
